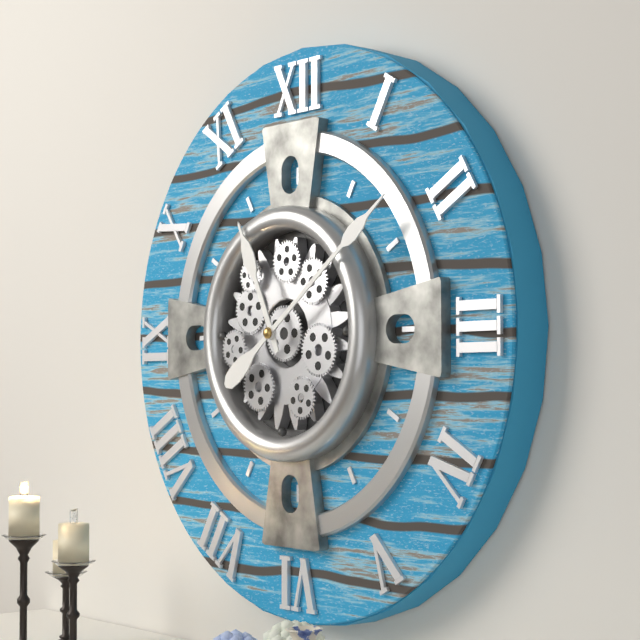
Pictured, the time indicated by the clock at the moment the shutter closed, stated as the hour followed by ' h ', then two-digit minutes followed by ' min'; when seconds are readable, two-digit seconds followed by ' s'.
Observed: 11 h 09 min
